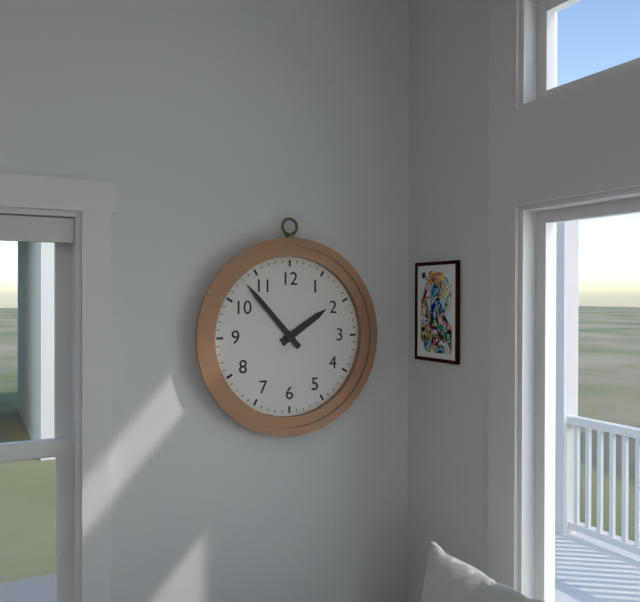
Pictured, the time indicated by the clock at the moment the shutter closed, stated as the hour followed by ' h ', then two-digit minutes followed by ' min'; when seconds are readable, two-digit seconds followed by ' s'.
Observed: 1 h 53 min
